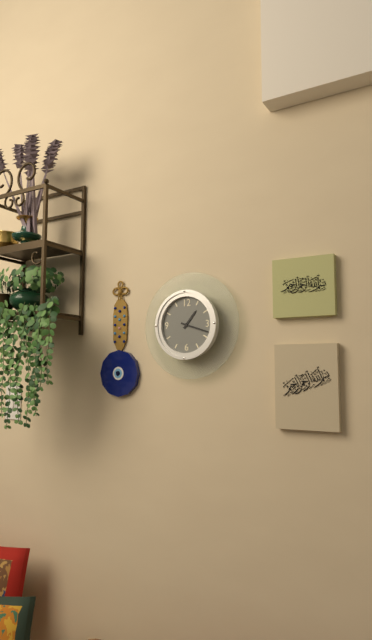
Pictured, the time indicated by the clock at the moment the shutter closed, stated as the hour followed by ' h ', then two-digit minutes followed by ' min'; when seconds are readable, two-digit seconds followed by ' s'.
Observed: 1 h 18 min
